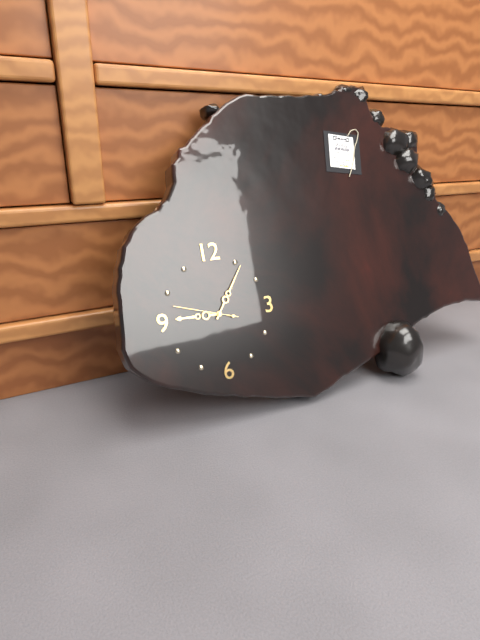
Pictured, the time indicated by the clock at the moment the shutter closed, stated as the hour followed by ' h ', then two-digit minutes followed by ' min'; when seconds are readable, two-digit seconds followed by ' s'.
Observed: 9 h 06 min 48 s
